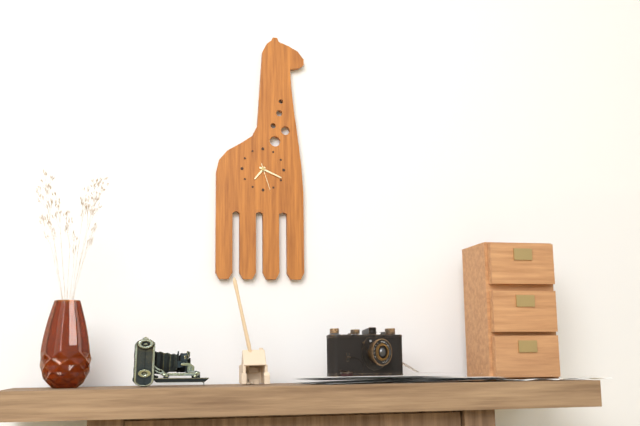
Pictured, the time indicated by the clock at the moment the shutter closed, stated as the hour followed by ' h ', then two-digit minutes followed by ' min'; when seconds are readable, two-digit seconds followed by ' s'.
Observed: 7 h 19 min
